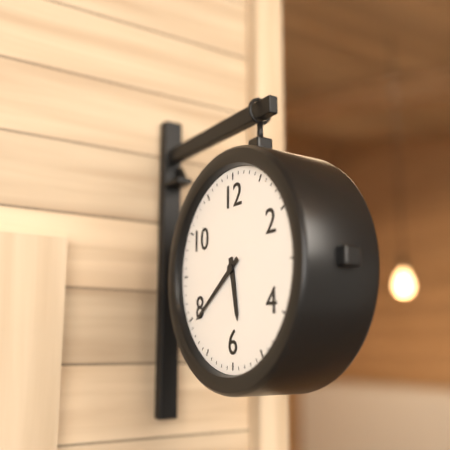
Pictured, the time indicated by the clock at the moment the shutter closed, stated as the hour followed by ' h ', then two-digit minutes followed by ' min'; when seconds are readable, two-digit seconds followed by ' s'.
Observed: 5 h 39 min
